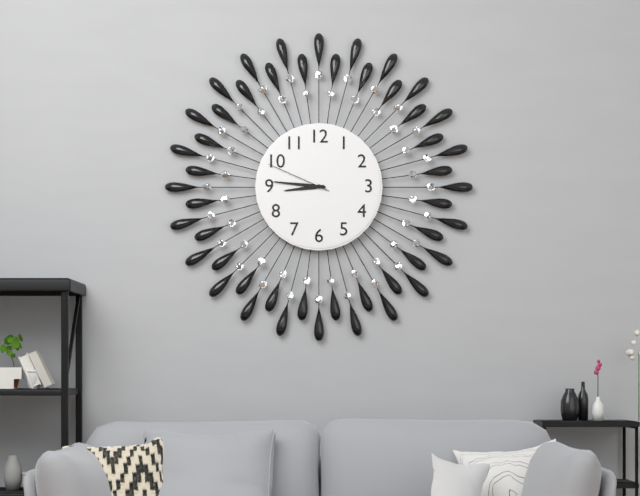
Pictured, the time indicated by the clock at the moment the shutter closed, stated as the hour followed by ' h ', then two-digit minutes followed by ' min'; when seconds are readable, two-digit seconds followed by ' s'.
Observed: 8 h 46 min 49 s
